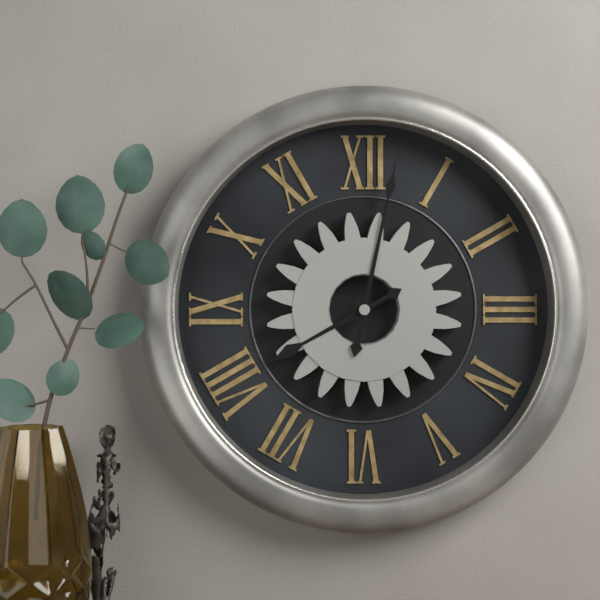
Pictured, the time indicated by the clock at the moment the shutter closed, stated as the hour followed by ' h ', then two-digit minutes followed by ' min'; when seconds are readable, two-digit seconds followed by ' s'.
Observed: 8 h 02 min
